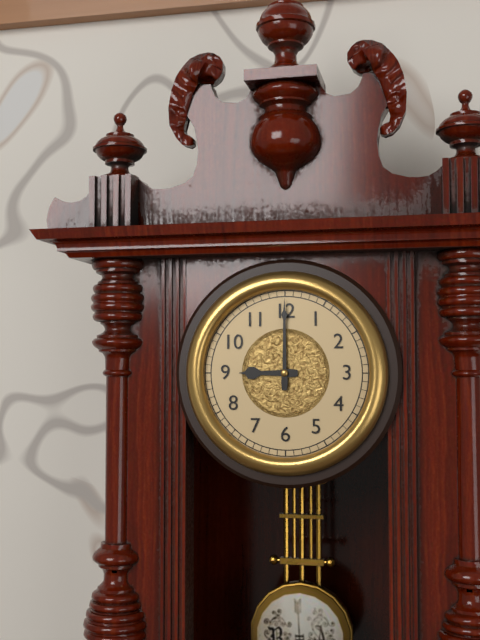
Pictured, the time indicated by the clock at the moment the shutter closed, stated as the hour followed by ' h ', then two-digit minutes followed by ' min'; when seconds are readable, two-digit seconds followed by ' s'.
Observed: 9 h 00 min
